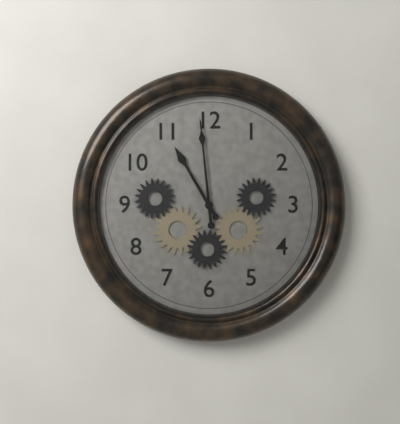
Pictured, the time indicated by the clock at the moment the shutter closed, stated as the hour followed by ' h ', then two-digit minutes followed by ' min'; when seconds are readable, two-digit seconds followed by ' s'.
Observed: 10 h 59 min
